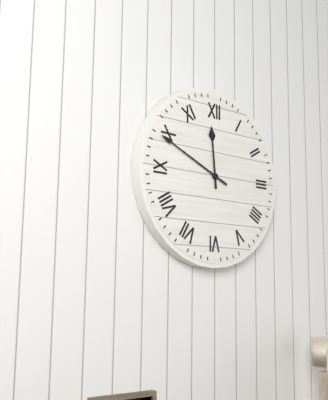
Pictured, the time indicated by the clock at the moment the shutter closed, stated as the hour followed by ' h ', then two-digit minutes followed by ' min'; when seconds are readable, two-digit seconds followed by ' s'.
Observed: 11 h 49 min
